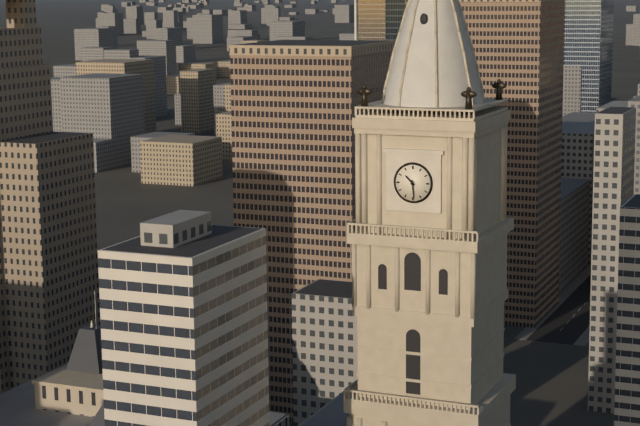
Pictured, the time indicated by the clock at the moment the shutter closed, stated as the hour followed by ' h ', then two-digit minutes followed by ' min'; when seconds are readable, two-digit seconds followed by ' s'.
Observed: 10 h 29 min
